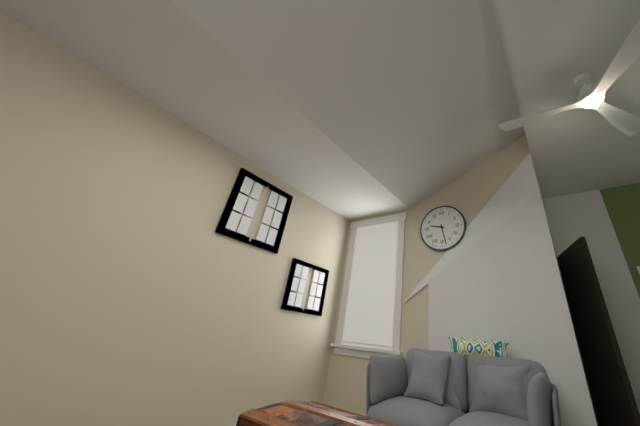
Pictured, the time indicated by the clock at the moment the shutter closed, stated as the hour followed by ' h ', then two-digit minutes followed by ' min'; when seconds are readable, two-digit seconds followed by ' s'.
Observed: 9 h 28 min
